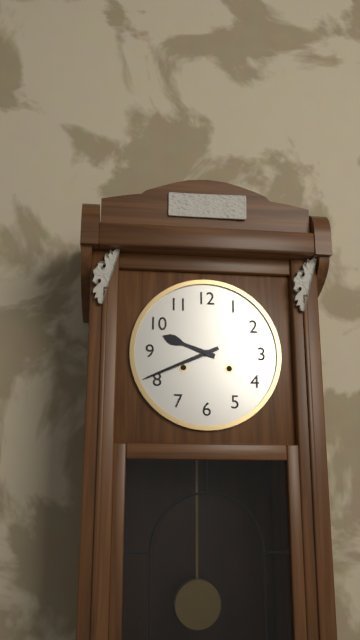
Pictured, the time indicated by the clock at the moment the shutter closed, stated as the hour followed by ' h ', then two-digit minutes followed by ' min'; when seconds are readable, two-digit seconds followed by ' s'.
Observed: 9 h 41 min
